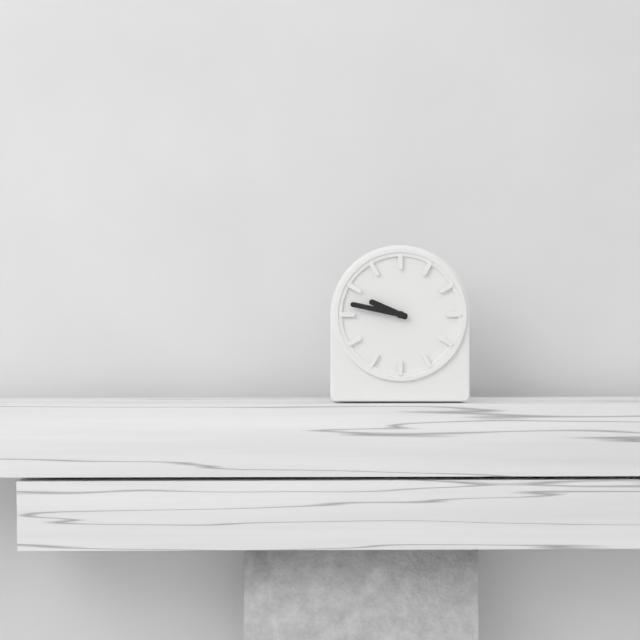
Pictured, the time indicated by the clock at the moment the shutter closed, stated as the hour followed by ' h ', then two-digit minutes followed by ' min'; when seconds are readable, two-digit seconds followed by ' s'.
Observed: 9 h 47 min
